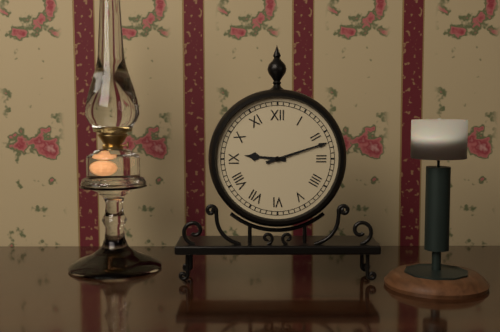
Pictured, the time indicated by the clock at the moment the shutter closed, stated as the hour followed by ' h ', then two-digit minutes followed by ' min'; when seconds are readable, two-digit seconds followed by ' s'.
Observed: 9 h 12 min
